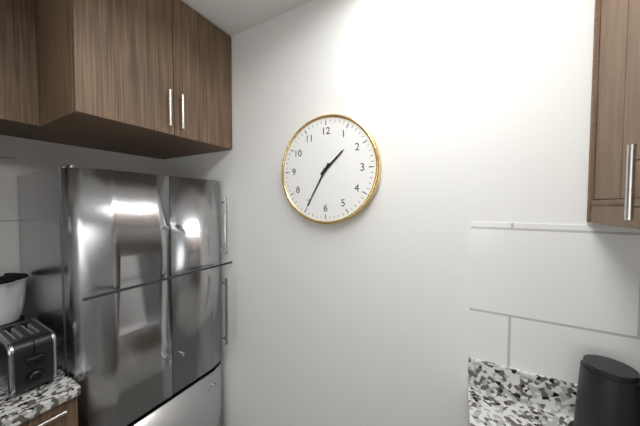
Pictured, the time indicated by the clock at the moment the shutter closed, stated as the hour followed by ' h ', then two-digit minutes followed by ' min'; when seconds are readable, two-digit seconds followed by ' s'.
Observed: 1 h 35 min
